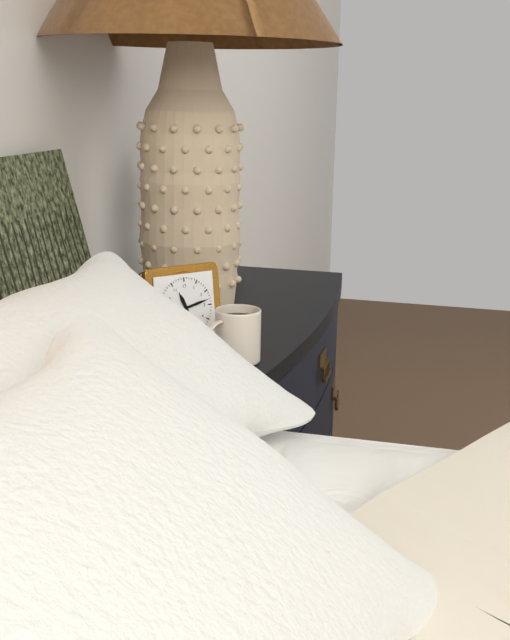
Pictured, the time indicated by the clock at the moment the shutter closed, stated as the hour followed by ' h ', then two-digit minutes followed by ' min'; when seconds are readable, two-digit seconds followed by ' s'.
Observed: 11 h 13 min
